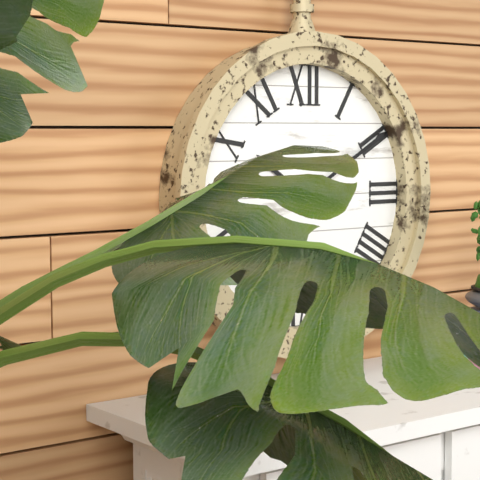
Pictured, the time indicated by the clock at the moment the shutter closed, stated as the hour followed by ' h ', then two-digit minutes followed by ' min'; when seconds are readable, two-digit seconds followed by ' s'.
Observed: 10 h 10 min
